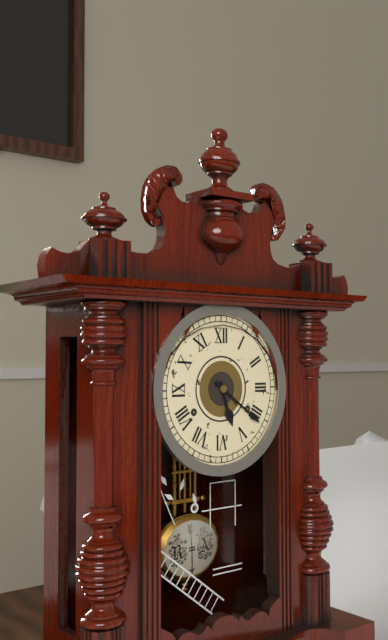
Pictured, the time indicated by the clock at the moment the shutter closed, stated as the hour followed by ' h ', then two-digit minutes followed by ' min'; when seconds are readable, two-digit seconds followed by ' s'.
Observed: 5 h 21 min
